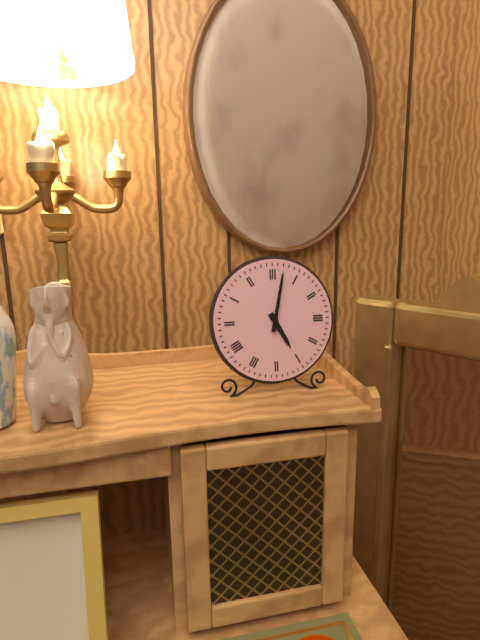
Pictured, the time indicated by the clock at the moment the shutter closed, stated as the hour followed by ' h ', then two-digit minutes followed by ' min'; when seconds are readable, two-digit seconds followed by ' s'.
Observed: 5 h 02 min
